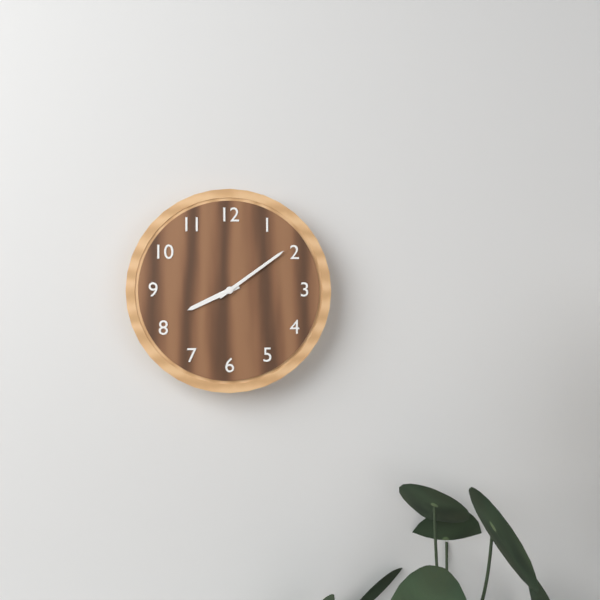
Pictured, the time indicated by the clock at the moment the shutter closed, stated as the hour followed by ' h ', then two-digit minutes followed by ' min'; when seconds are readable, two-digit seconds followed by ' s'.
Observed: 8 h 09 min
